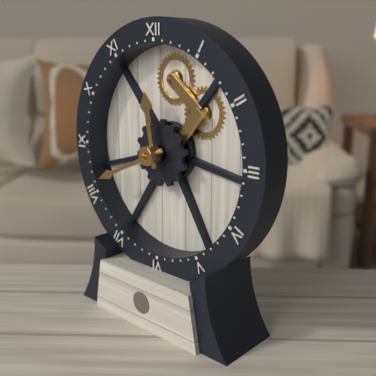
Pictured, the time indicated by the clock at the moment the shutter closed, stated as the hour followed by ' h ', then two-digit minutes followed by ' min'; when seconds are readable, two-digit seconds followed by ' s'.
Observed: 11 h 41 min
